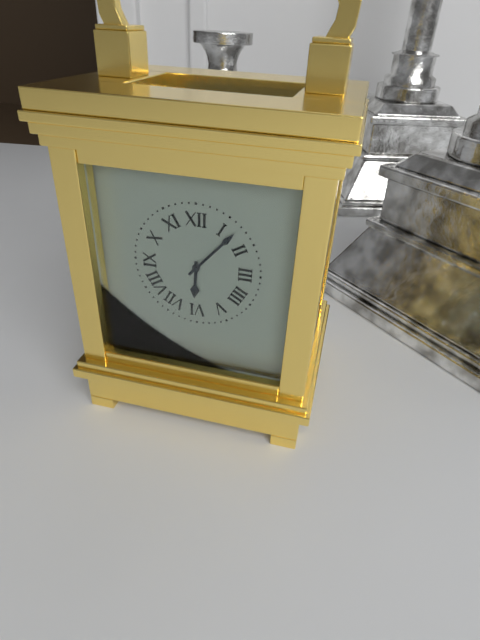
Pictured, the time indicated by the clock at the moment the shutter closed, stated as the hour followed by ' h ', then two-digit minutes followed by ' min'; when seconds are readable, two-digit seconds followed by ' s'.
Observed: 6 h 07 min
